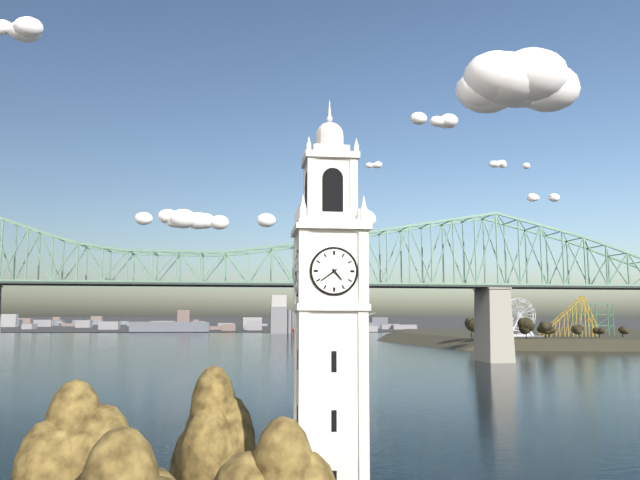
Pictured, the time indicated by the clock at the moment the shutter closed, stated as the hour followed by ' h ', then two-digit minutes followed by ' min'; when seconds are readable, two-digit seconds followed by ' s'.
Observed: 4 h 39 min
